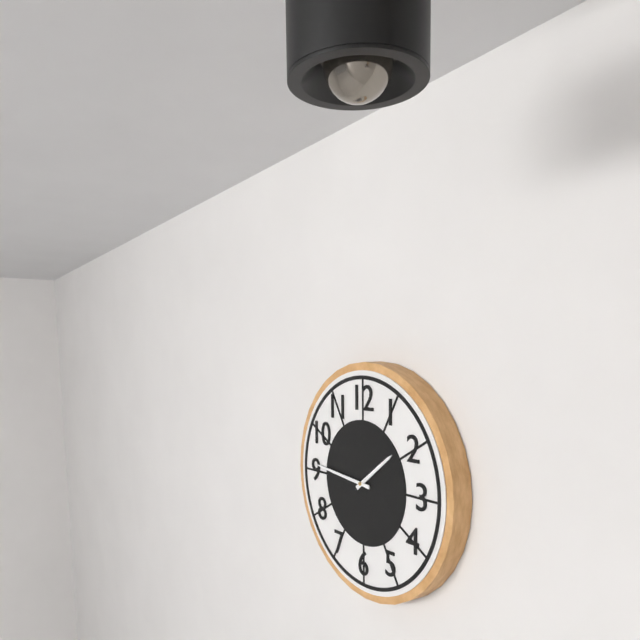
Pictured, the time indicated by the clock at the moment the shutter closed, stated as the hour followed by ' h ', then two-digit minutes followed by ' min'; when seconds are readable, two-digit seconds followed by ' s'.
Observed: 1 h 46 min
